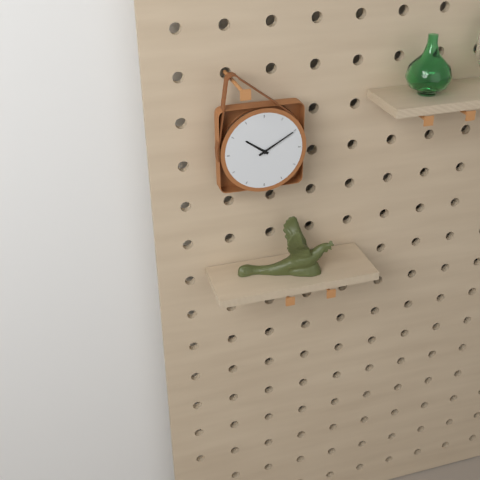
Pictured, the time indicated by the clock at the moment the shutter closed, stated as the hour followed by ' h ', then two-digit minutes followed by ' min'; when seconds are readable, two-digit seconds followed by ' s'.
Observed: 10 h 10 min
